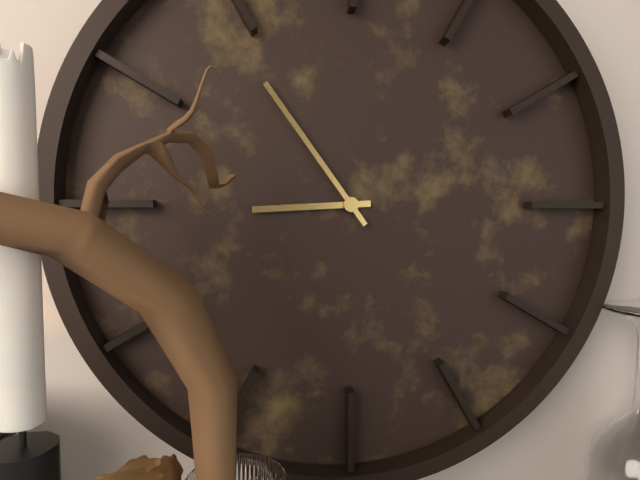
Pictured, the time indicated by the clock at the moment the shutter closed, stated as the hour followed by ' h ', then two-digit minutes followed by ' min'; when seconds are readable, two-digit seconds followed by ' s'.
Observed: 8 h 54 min
